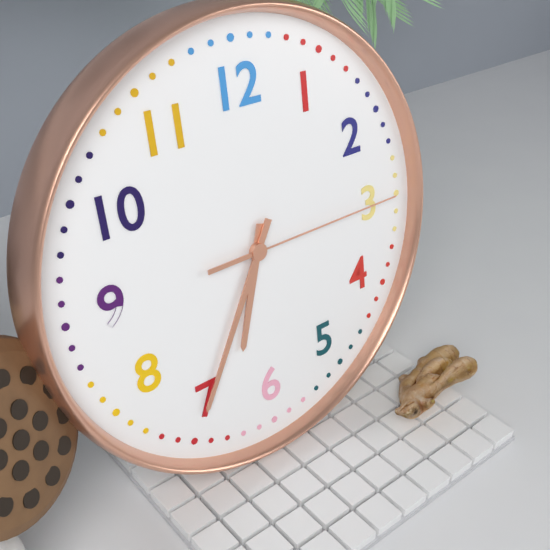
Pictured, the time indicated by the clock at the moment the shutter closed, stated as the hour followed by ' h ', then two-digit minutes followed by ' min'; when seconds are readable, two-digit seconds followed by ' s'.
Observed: 6 h 35 min 15 s
